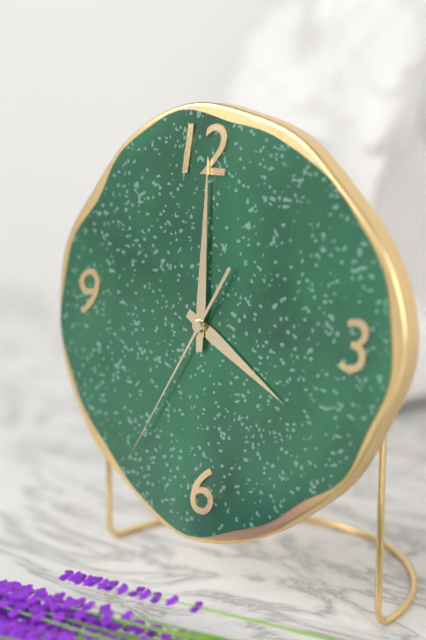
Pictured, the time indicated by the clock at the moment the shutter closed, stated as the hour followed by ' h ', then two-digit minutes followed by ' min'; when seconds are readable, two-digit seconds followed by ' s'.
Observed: 4 h 00 min 35 s
